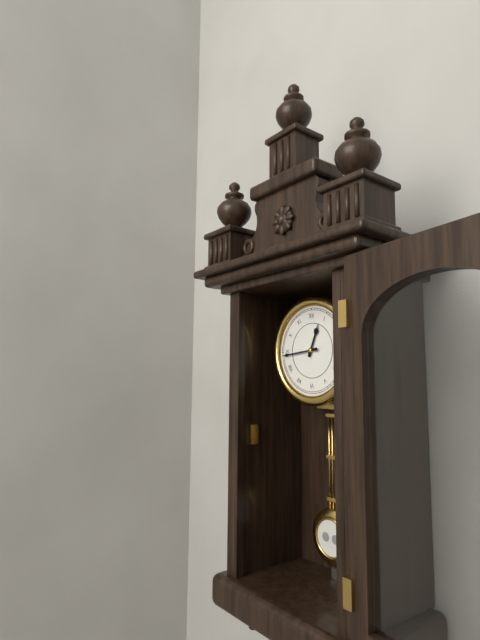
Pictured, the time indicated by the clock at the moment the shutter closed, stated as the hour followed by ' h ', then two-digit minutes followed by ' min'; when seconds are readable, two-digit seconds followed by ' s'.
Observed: 12 h 44 min
